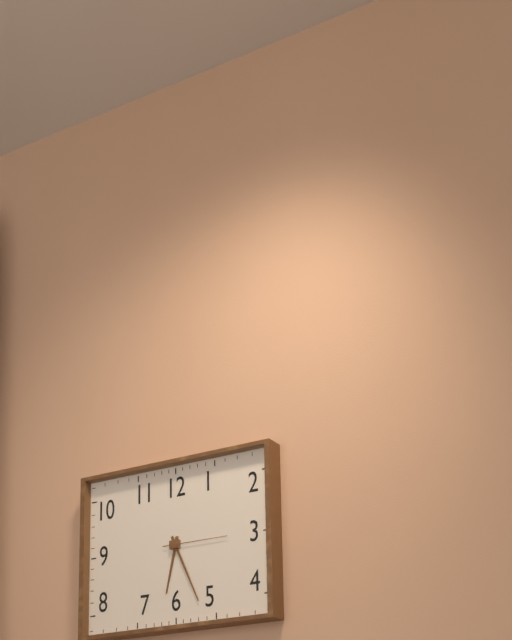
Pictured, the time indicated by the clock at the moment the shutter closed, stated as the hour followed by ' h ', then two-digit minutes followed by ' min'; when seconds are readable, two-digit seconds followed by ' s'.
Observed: 6 h 26 min 15 s
